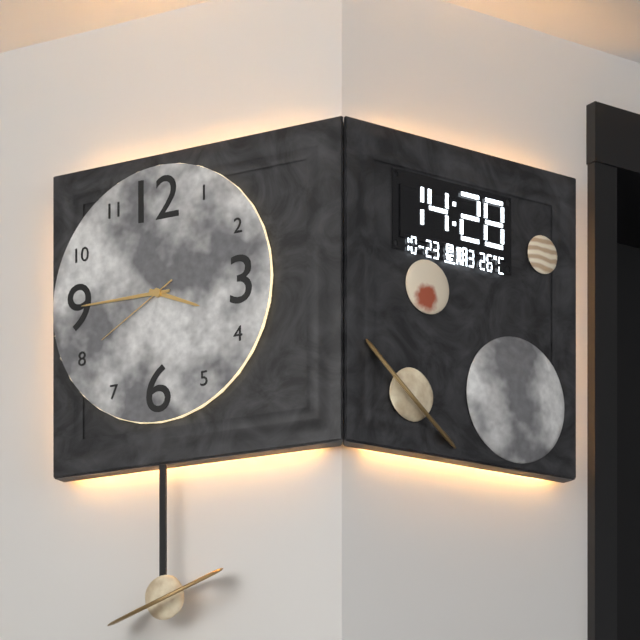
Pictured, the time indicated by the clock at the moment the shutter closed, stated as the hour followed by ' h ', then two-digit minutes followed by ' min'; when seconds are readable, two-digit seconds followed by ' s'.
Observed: 3 h 45 min 40 s
